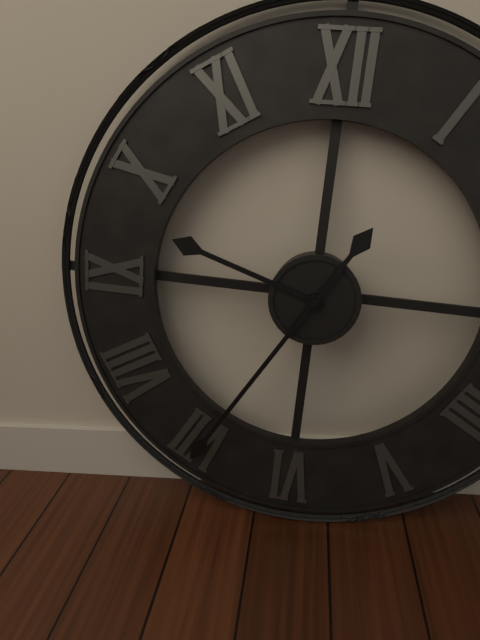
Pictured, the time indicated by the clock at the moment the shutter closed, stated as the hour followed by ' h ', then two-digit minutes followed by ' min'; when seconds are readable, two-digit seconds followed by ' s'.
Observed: 9 h 35 min
